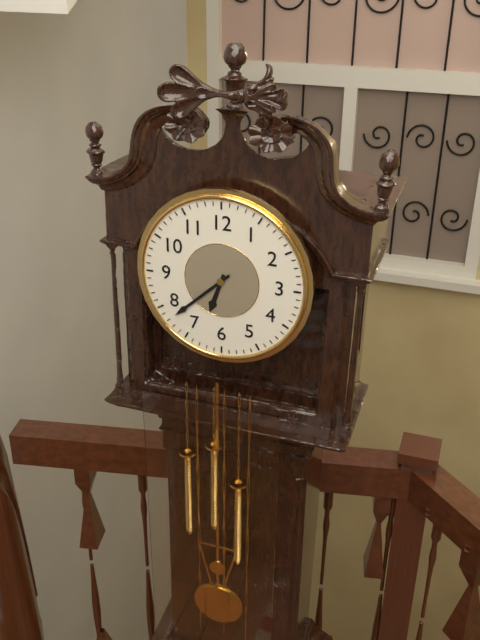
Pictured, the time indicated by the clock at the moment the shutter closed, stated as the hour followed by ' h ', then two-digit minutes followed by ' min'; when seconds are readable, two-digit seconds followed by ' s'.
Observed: 6 h 38 min
